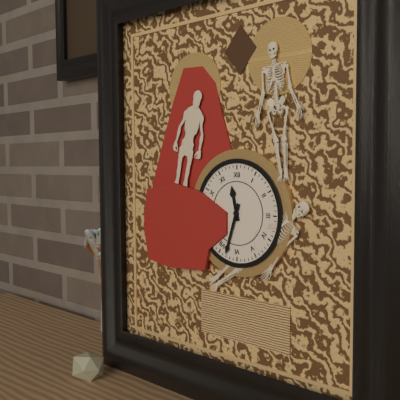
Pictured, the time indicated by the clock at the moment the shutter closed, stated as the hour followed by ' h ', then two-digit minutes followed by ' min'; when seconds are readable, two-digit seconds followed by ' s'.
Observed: 11 h 33 min
